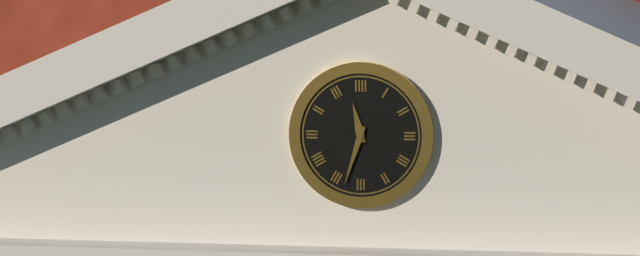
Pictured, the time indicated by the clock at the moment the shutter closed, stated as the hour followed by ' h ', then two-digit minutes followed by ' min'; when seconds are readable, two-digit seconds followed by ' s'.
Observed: 11 h 33 min
